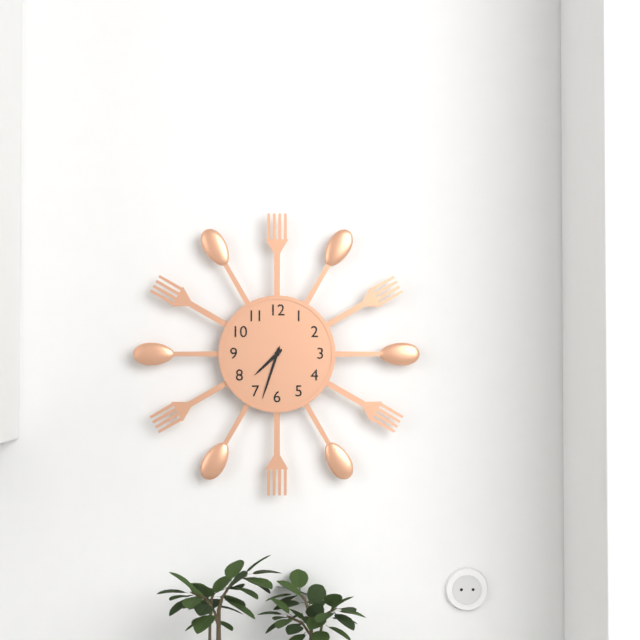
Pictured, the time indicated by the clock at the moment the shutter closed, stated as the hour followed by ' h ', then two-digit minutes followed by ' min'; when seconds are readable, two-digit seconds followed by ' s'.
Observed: 7 h 33 min
